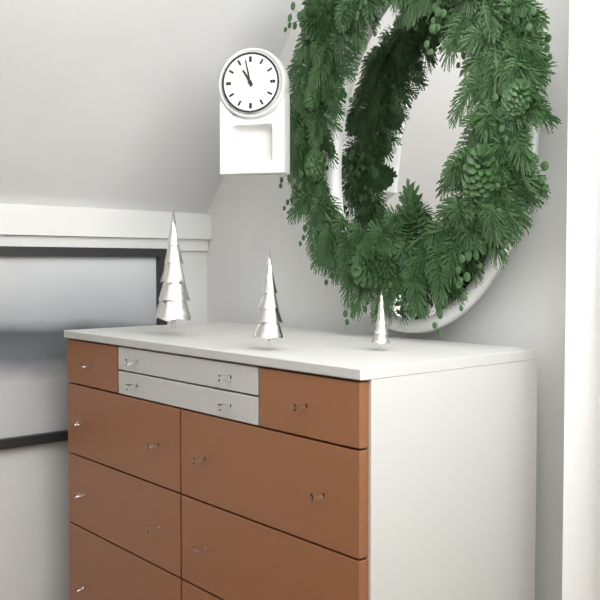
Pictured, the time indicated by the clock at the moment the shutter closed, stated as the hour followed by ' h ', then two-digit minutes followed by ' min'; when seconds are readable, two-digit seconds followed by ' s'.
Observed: 10 h 58 min
